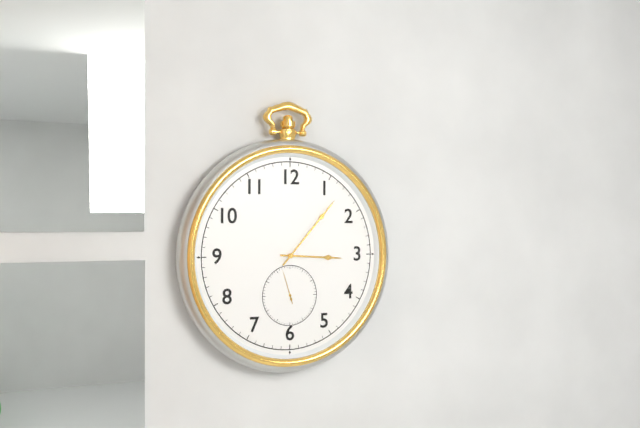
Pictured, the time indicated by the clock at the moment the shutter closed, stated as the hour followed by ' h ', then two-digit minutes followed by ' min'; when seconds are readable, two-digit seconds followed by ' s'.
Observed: 3 h 07 min
